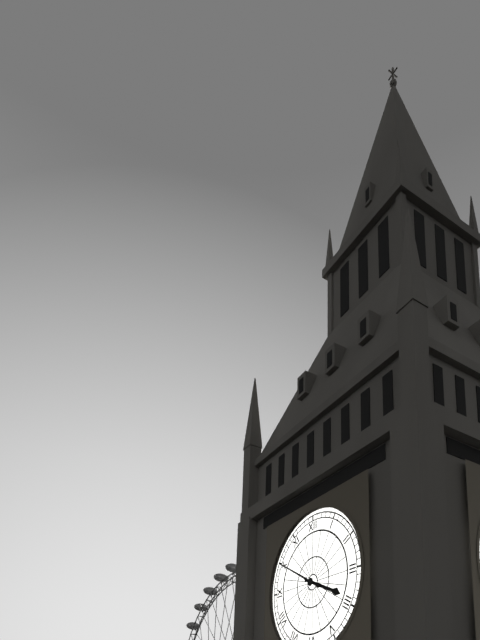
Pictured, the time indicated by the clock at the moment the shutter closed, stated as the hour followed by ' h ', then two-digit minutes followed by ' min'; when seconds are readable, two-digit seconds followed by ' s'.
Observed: 3 h 50 min
